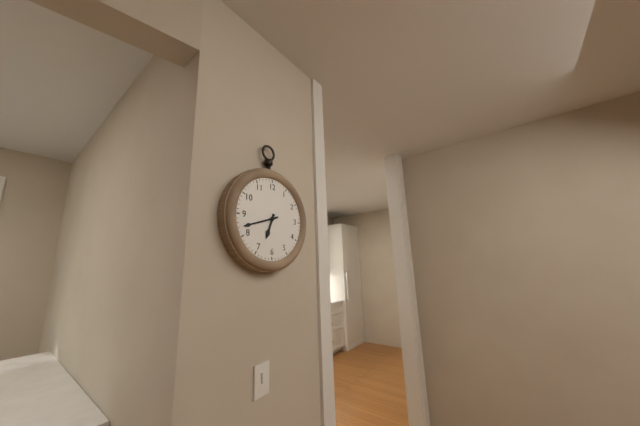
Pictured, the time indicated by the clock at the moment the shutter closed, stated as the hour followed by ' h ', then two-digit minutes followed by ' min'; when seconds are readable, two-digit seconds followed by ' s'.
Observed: 6 h 42 min
